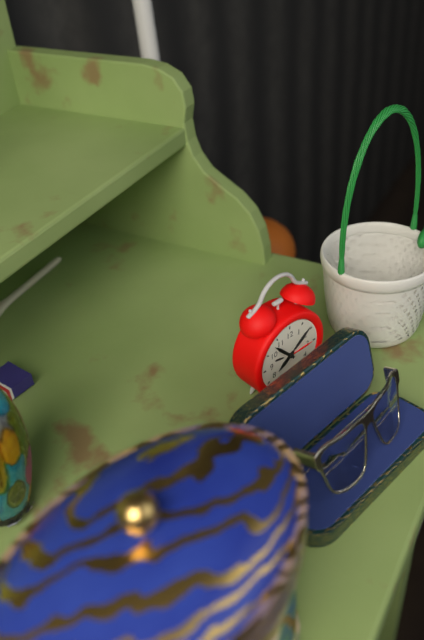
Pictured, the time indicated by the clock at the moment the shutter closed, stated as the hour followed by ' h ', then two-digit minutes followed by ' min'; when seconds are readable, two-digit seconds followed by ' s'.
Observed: 7 h 53 min
